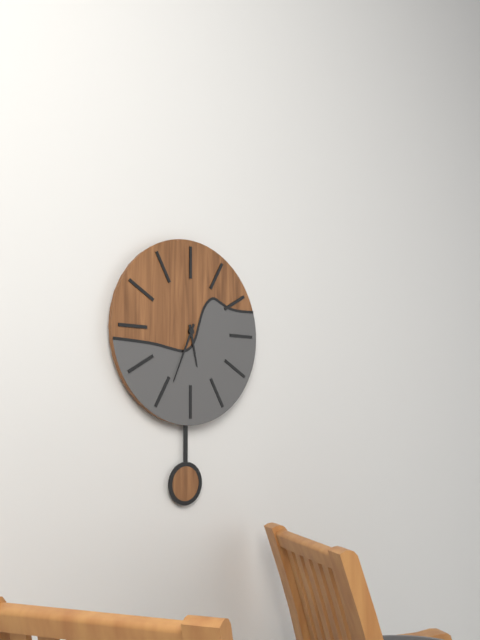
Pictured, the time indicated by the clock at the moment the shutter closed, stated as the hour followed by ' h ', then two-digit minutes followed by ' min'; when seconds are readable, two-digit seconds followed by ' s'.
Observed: 5 h 34 min
